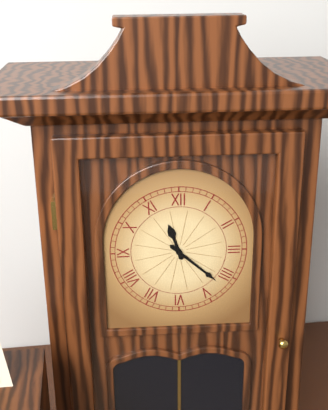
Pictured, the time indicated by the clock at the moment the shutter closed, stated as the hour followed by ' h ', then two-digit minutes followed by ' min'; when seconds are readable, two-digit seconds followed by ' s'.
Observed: 11 h 22 min
